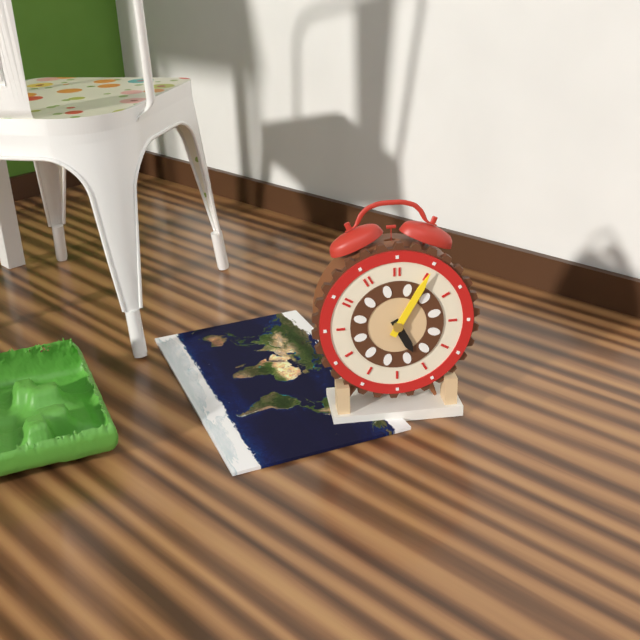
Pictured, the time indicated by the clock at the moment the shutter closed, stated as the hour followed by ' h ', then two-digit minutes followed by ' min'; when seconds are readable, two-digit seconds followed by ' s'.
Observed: 5 h 05 min
